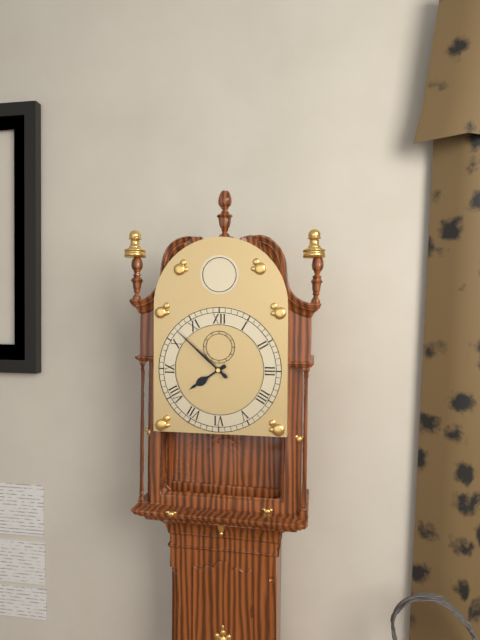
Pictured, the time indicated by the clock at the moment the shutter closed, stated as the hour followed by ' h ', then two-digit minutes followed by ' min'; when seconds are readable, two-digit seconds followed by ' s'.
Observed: 7 h 52 min
